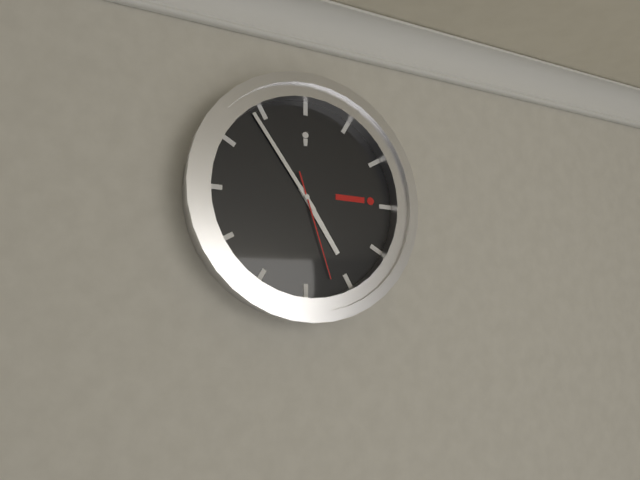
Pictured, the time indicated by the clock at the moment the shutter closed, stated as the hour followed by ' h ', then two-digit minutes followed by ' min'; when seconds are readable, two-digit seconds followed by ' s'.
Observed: 4 h 54 min 27 s
